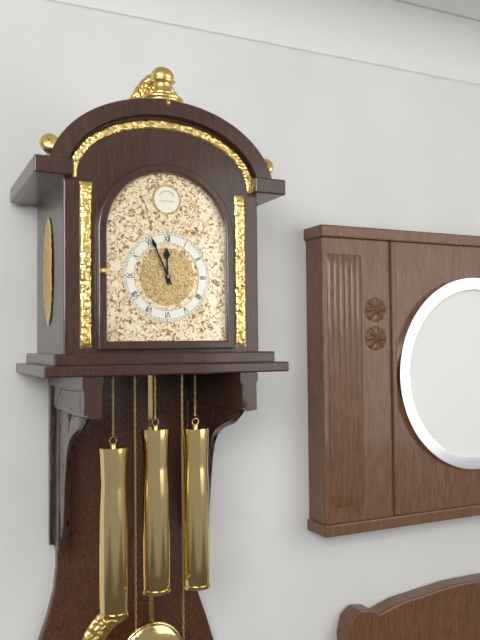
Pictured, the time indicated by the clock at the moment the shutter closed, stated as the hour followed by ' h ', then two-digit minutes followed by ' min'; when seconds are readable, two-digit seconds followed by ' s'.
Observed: 11 h 56 min
